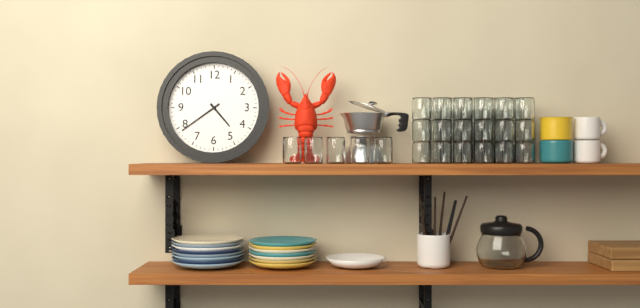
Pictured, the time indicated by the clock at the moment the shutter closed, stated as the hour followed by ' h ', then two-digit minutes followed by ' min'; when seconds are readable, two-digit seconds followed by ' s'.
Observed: 4 h 39 min
